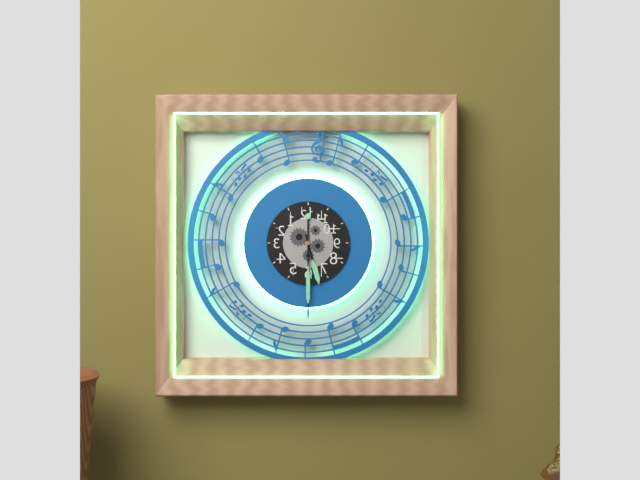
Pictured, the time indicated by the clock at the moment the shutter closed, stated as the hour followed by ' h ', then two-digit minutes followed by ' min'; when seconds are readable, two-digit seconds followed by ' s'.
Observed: 5 h 30 min
